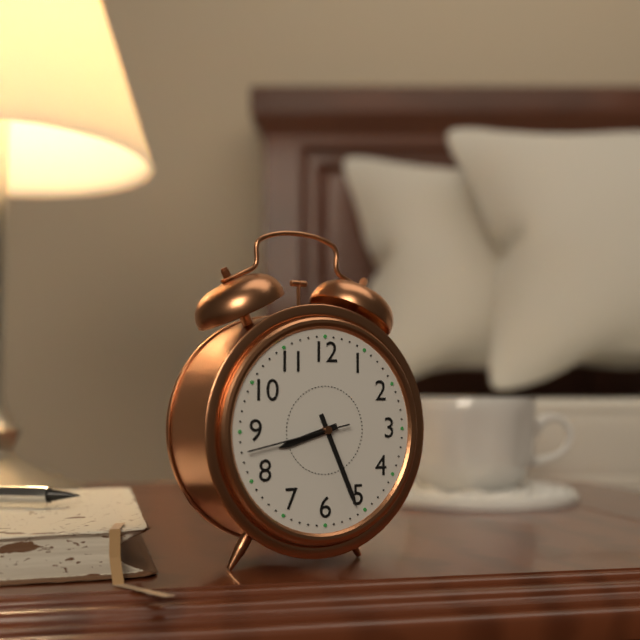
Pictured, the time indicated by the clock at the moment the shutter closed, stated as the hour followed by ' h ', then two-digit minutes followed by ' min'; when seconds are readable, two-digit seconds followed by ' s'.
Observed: 8 h 26 min 43 s
